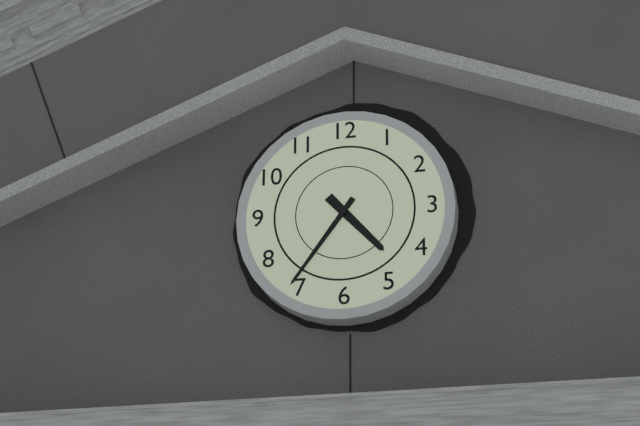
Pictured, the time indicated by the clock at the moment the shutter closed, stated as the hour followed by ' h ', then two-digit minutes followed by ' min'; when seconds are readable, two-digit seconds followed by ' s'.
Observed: 4 h 36 min
